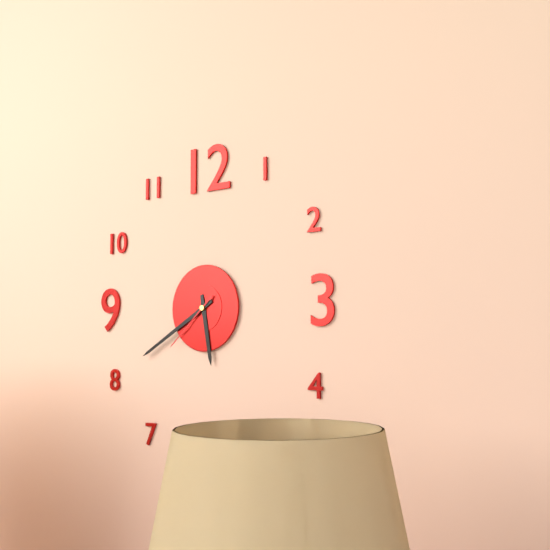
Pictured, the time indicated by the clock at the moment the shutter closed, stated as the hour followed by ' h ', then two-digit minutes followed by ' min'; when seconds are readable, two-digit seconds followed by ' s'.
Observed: 5 h 40 min 38 s
